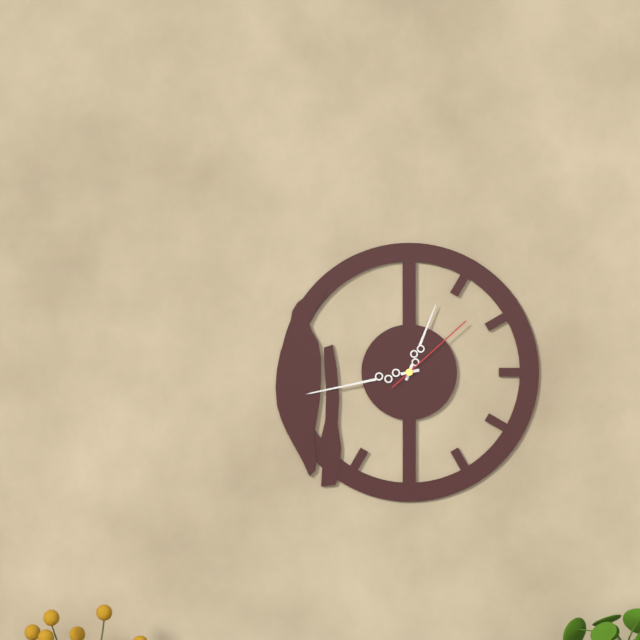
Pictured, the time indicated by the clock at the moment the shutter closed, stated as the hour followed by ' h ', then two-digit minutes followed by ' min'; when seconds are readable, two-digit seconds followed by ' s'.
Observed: 12 h 43 min 08 s
